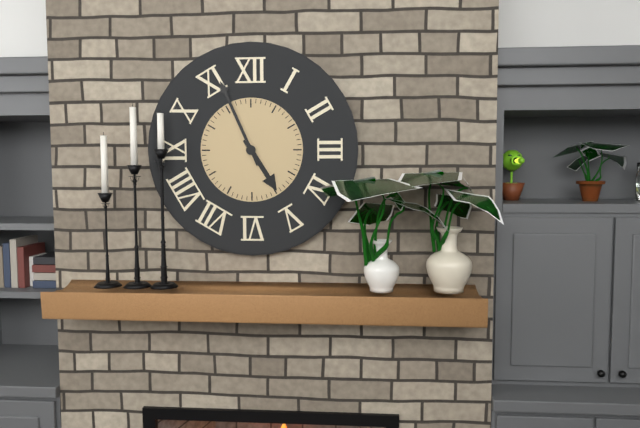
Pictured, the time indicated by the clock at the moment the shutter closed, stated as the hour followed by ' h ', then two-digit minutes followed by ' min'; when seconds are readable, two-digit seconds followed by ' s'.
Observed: 4 h 56 min
